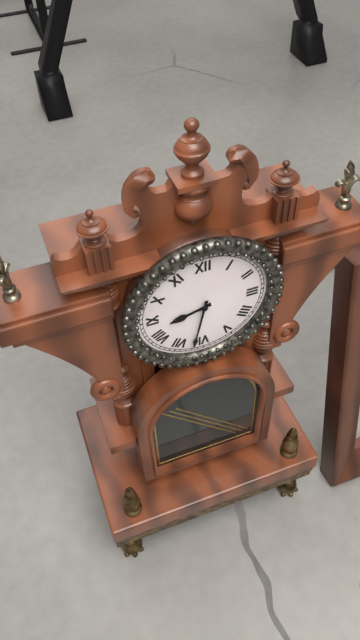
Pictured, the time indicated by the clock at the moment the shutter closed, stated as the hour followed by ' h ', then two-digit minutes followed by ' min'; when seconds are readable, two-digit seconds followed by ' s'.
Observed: 8 h 32 min
